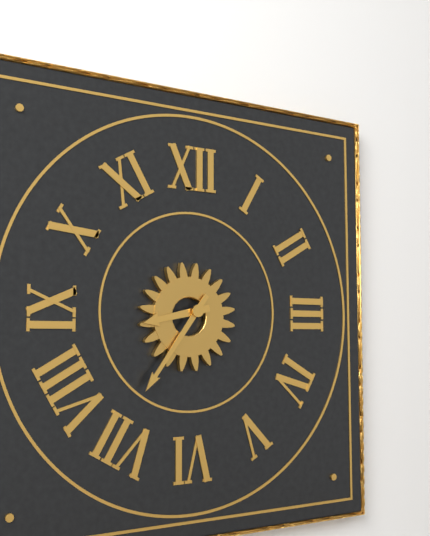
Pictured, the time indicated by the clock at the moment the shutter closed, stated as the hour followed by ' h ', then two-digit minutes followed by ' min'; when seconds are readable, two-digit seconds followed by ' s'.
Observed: 8 h 36 min
